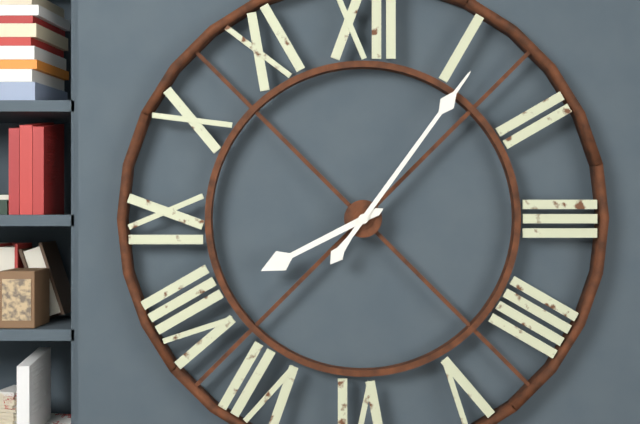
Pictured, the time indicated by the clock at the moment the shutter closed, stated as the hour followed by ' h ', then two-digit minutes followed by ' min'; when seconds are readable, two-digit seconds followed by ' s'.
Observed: 8 h 06 min
